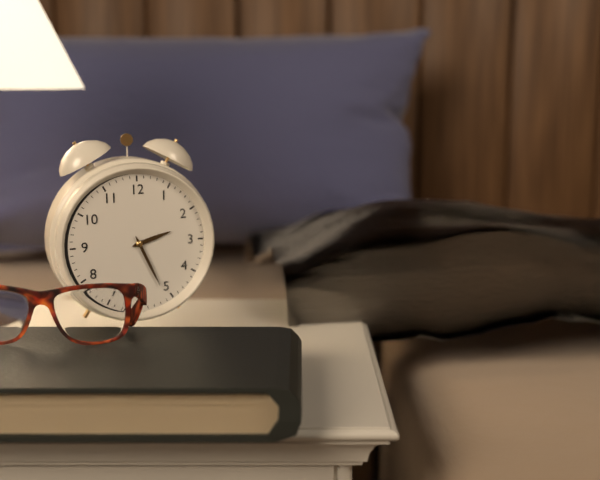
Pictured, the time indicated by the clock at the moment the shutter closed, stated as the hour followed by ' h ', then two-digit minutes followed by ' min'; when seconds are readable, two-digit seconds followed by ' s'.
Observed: 2 h 26 min
